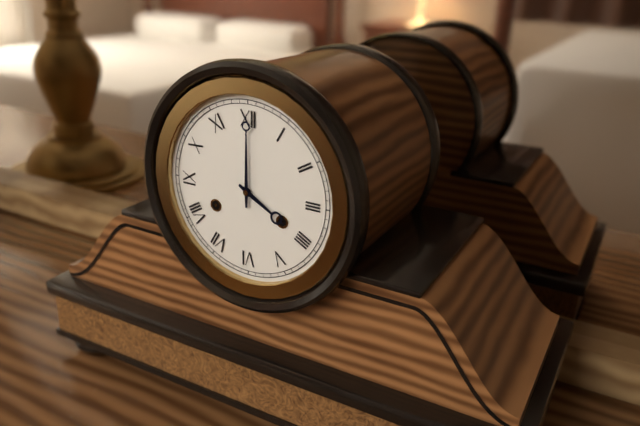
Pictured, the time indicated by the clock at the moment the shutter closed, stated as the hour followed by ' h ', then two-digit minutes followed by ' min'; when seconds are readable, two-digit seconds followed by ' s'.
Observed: 4 h 00 min
